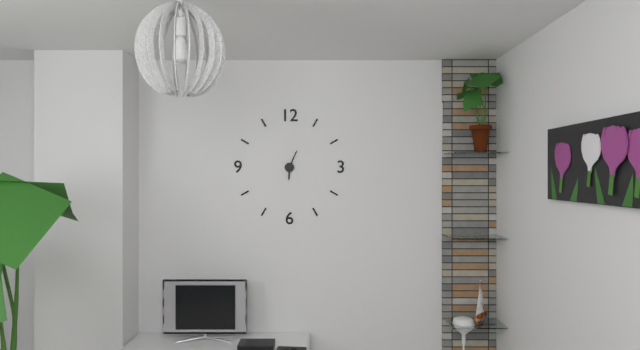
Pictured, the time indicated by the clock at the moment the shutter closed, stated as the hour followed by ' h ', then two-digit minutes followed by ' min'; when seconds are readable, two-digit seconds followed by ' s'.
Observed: 6 h 04 min
